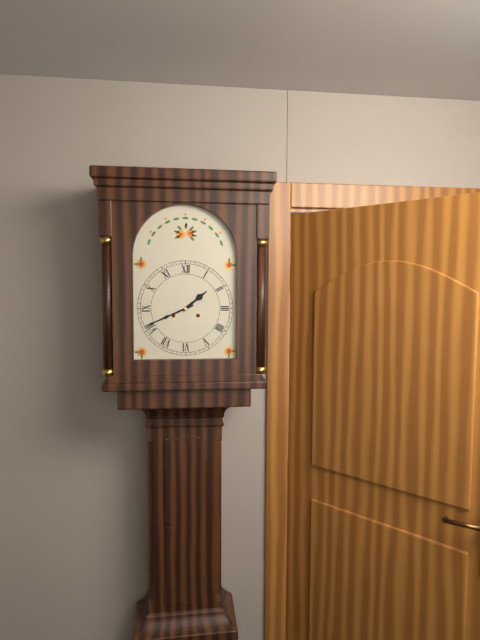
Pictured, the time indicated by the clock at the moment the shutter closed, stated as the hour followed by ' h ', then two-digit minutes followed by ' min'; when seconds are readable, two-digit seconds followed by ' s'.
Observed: 1 h 41 min
